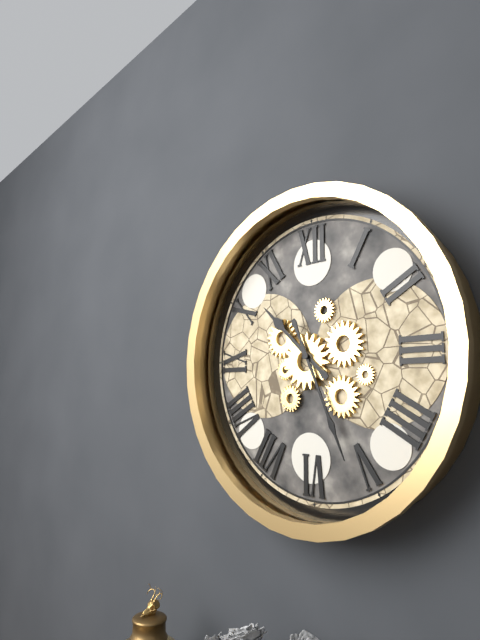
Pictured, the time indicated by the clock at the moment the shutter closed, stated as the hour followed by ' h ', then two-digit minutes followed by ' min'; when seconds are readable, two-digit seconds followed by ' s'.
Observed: 10 h 26 min
